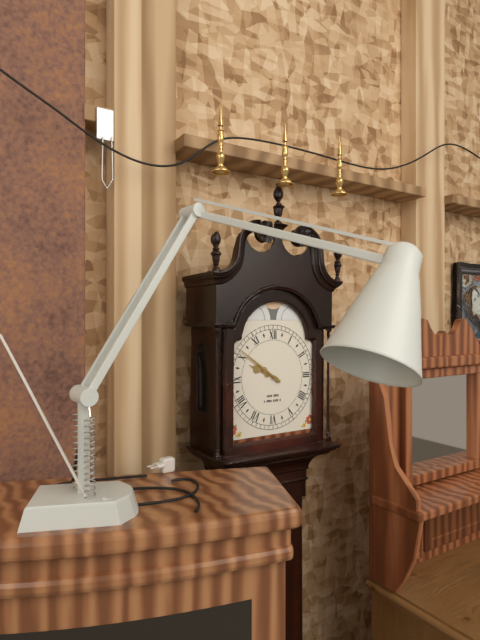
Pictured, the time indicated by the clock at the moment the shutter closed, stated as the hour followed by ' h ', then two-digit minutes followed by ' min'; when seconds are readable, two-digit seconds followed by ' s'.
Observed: 9 h 51 min
